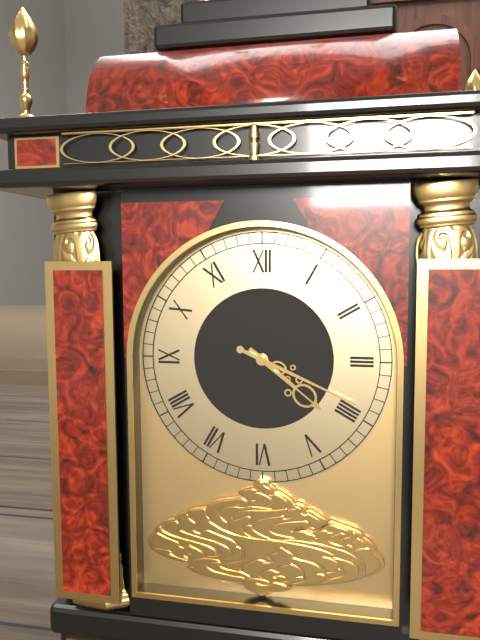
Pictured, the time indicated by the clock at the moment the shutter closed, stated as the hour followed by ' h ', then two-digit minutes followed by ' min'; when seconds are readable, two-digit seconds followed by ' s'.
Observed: 4 h 19 min
